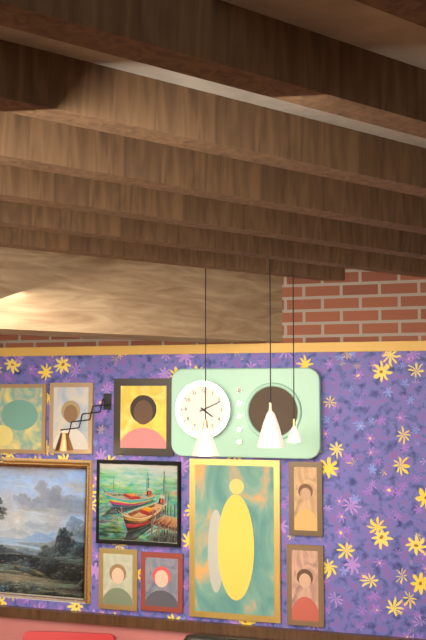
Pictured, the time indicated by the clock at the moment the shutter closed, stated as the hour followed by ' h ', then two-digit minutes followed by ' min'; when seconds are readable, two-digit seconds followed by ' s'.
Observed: 4 h 11 min
